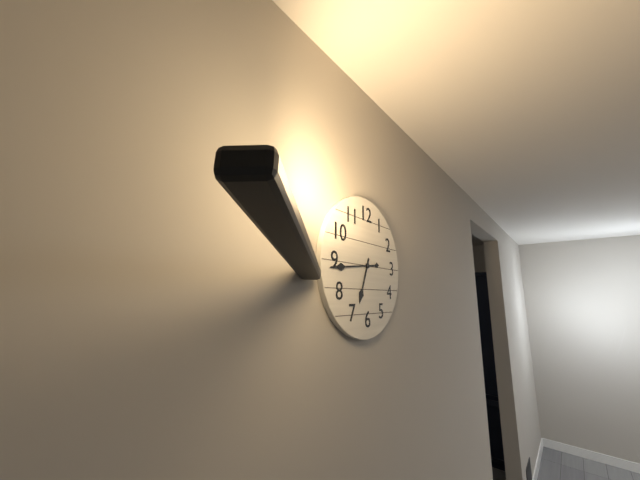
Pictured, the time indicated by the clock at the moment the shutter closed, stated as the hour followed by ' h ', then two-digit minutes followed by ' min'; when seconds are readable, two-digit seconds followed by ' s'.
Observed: 6 h 44 min
